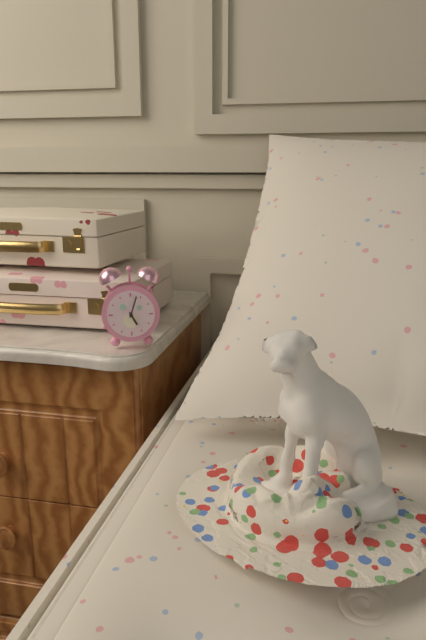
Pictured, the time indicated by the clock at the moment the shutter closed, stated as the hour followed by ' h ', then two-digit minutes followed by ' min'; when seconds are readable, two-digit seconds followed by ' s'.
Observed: 5 h 03 min
